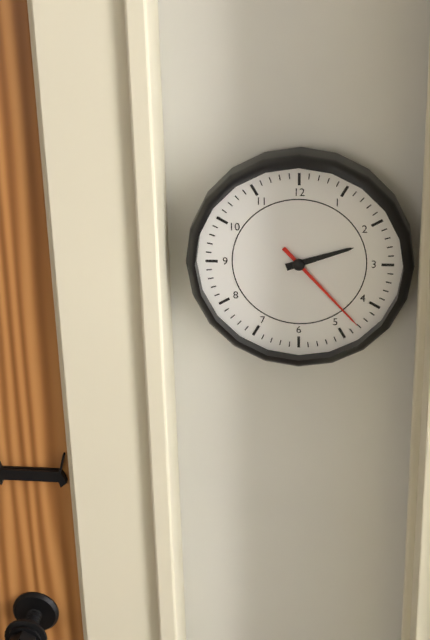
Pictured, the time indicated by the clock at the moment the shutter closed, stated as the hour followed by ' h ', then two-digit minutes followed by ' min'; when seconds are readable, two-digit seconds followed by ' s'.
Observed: 2 h 23 min
